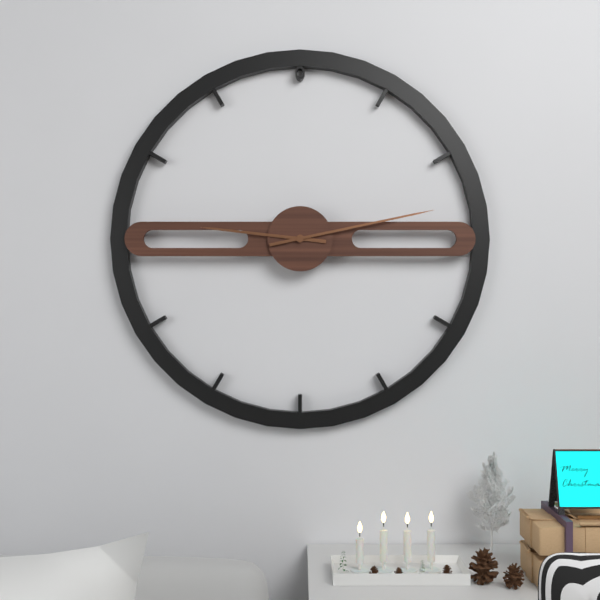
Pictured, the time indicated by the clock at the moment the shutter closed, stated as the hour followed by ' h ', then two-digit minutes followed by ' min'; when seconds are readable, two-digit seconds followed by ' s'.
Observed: 9 h 13 min
